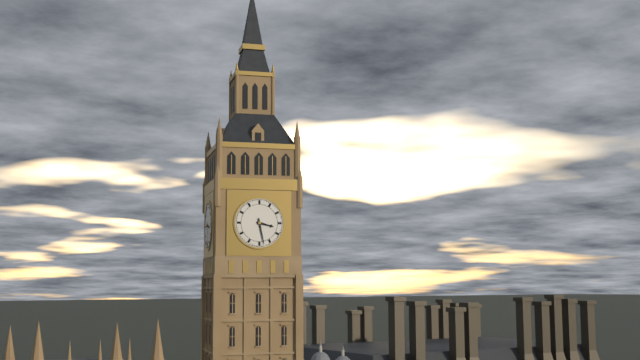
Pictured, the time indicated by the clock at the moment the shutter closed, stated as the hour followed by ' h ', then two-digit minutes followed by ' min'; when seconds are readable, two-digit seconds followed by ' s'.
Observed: 3 h 28 min
